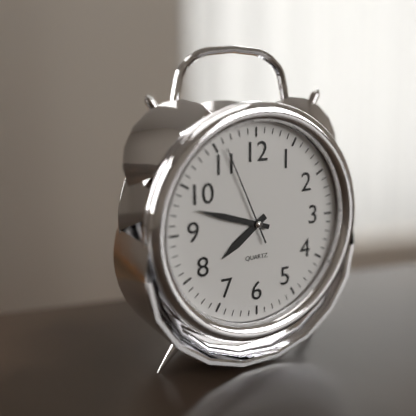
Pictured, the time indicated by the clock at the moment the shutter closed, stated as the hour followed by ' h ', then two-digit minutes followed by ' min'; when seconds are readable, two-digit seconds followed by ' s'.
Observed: 7 h 48 min 56 s
